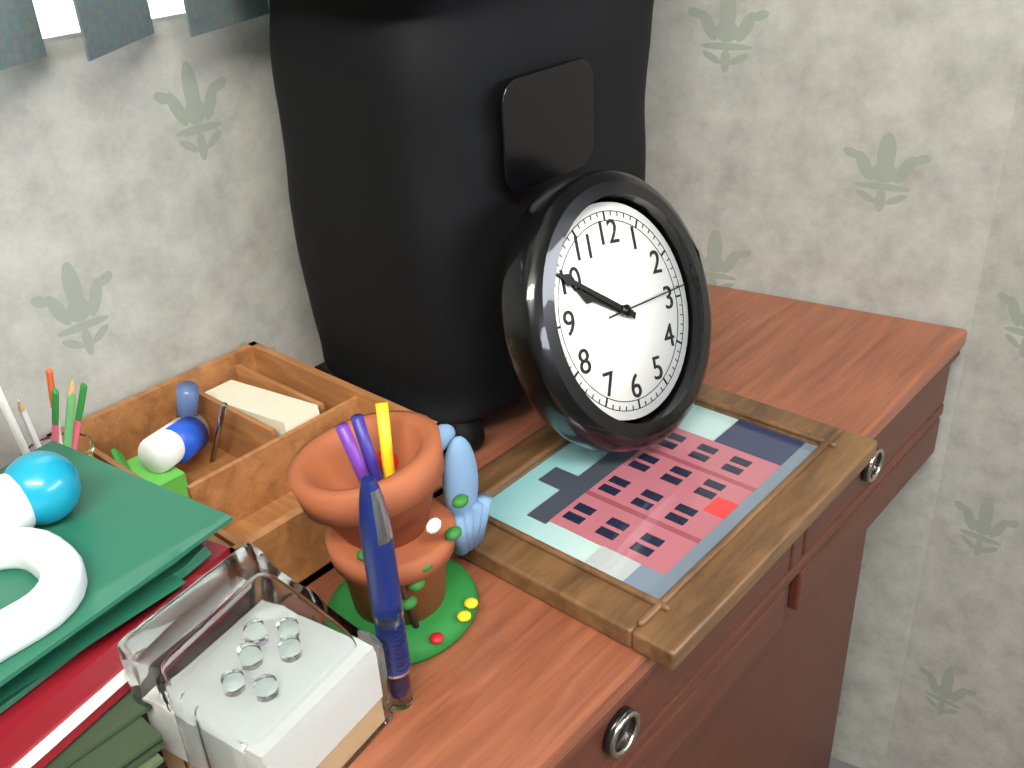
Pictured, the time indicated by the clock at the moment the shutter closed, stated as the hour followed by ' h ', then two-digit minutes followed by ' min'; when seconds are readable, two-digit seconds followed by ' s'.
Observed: 9 h 50 min 14 s
